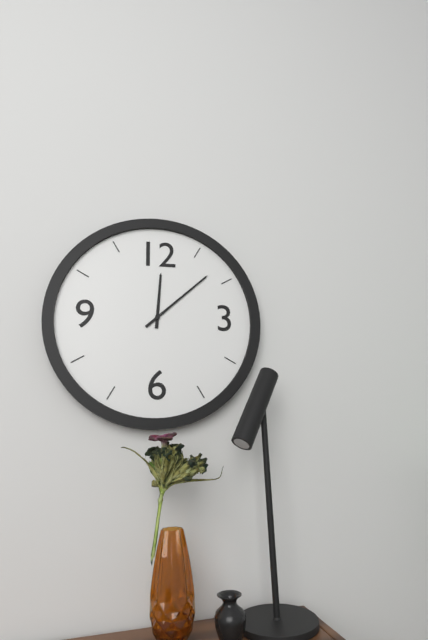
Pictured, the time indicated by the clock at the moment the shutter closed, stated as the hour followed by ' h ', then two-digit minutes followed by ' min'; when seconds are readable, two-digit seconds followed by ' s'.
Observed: 12 h 08 min
